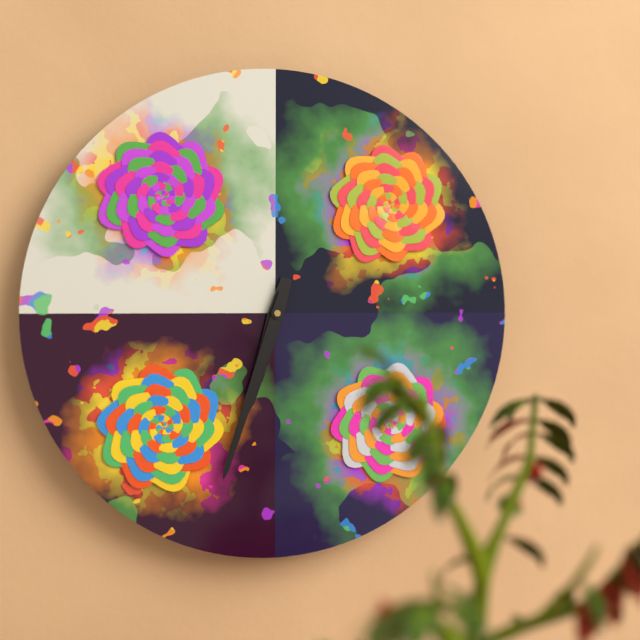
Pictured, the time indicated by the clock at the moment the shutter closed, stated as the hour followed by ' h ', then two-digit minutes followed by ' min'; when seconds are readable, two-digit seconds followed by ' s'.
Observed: 6 h 33 min
